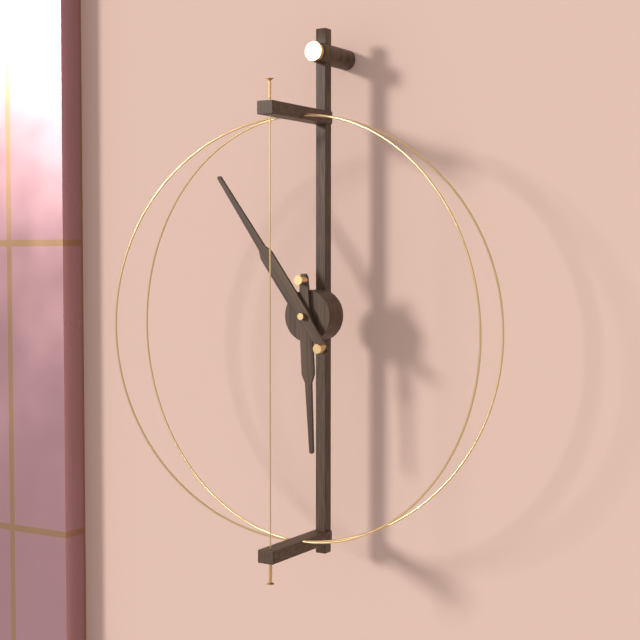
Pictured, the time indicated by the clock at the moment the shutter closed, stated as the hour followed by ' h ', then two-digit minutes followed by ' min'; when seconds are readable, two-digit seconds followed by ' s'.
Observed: 5 h 54 min
